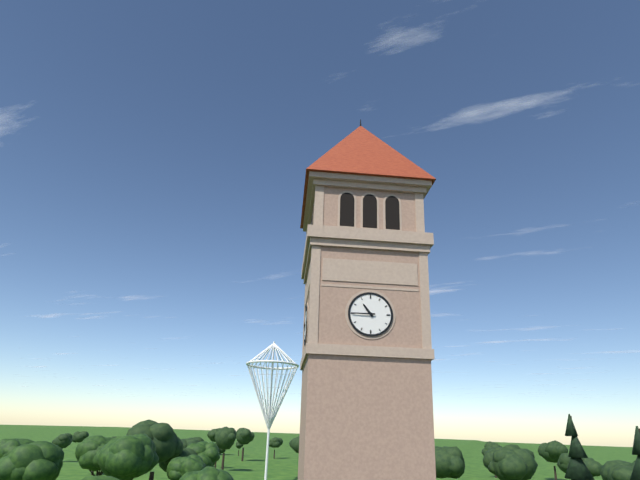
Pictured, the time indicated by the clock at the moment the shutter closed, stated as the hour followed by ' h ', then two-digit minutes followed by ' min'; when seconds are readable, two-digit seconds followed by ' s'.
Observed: 10 h 45 min
